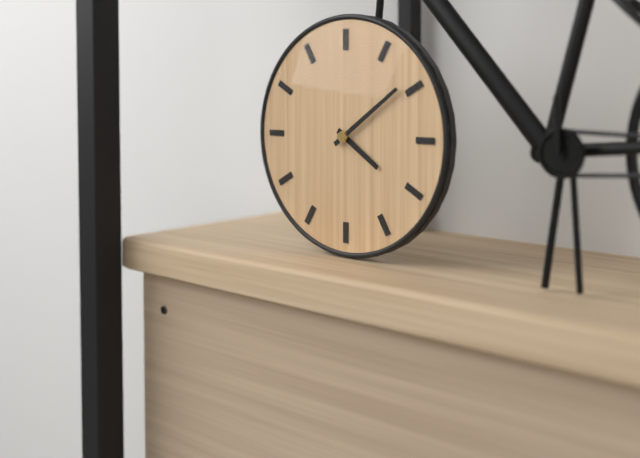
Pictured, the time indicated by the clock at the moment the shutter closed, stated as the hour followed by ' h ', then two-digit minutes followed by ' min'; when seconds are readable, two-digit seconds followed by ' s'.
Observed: 4 h 09 min
